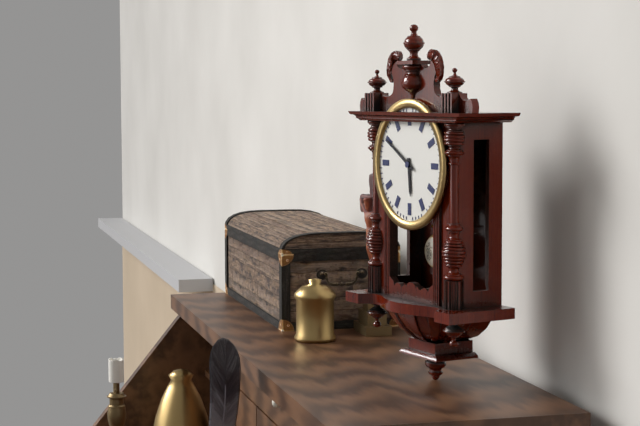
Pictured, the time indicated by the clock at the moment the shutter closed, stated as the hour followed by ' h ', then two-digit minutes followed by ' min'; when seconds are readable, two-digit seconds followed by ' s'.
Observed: 5 h 50 min
